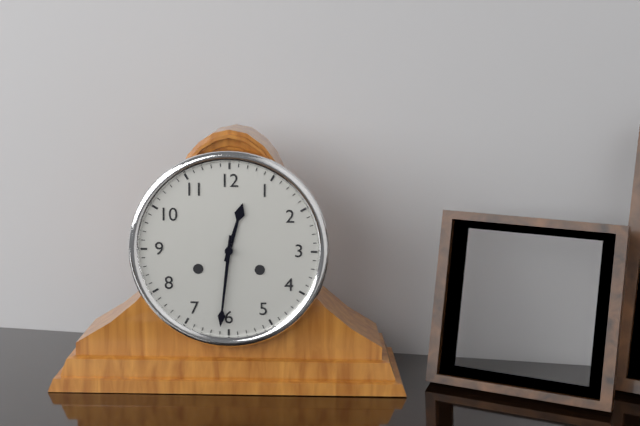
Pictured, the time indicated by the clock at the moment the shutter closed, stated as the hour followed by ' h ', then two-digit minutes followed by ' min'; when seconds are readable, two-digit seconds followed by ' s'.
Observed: 12 h 31 min
